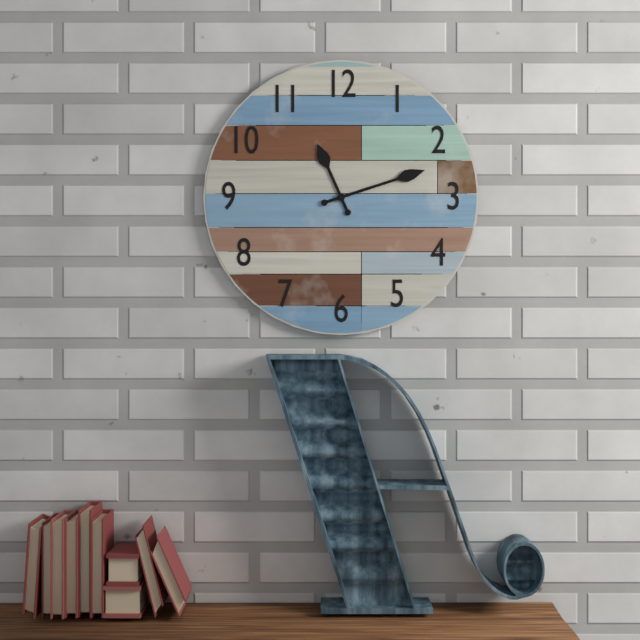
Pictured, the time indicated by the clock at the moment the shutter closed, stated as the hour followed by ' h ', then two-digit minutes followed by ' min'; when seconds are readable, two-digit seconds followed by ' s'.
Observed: 11 h 12 min
